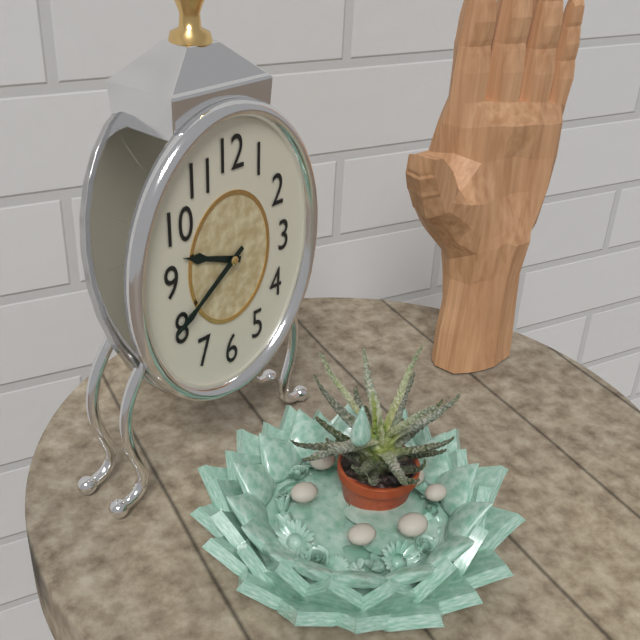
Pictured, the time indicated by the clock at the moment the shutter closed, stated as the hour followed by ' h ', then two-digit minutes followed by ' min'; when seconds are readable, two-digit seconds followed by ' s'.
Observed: 9 h 39 min
